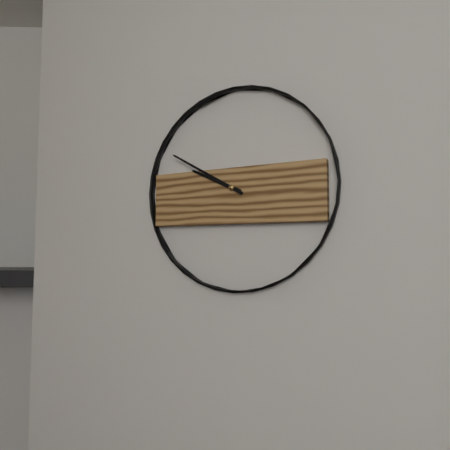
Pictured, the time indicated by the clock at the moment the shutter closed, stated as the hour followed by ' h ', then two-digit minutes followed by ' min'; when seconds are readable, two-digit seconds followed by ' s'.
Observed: 9 h 50 min
